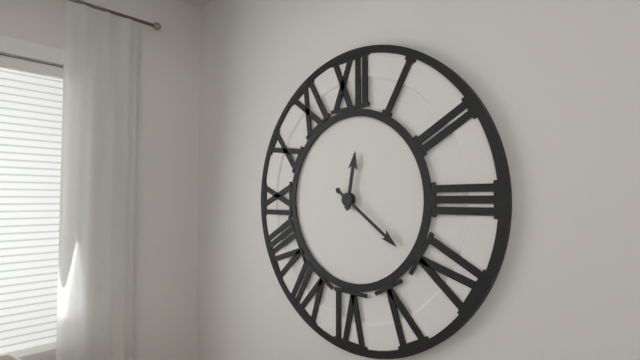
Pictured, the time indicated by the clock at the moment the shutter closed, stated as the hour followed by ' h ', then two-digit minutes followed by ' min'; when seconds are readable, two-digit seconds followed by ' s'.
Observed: 12 h 21 min
